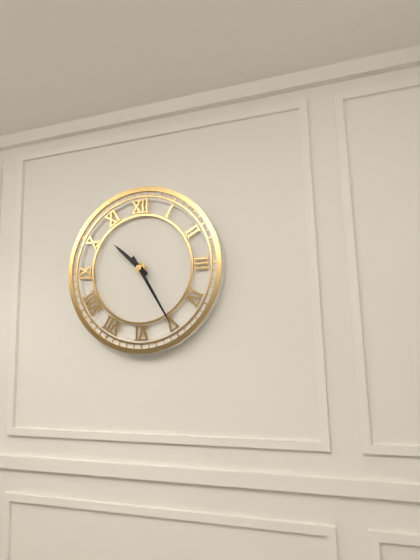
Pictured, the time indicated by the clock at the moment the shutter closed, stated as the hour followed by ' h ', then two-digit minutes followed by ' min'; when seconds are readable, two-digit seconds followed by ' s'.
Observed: 10 h 25 min
